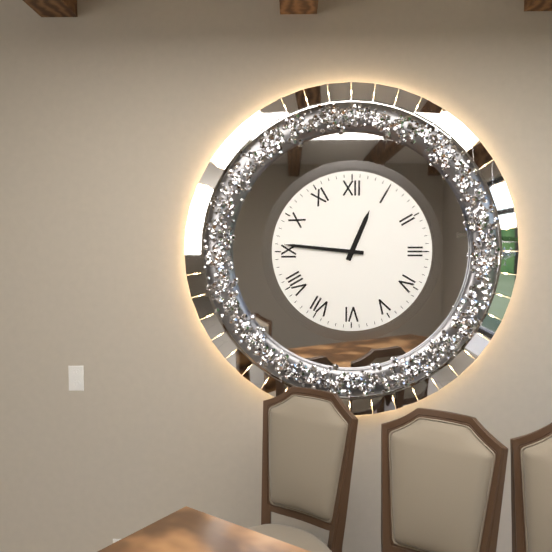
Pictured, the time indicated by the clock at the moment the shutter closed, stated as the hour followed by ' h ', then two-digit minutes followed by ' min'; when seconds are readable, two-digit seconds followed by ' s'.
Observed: 12 h 46 min
